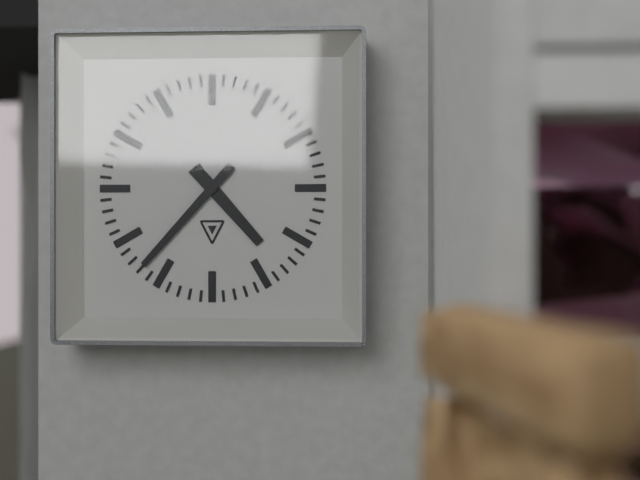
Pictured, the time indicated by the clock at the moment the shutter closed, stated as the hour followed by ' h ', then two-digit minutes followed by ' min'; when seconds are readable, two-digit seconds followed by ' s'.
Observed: 4 h 37 min
